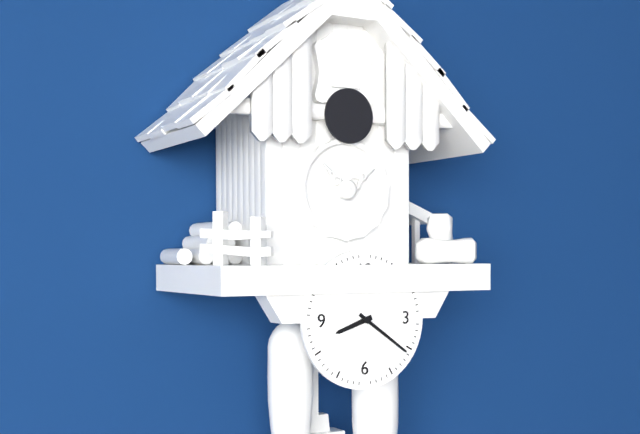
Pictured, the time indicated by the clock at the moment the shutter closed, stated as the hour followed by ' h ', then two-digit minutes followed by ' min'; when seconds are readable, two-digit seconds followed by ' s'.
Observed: 8 h 21 min
